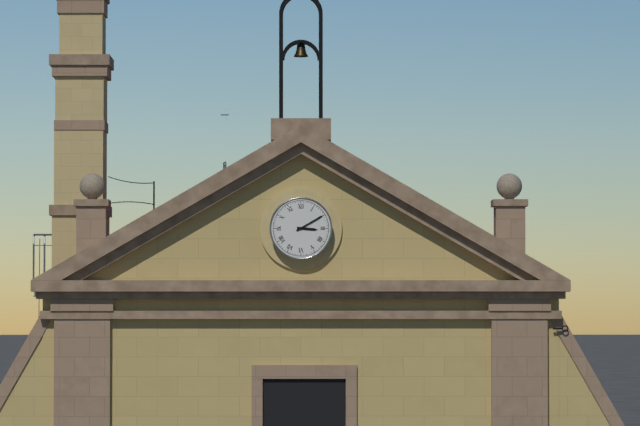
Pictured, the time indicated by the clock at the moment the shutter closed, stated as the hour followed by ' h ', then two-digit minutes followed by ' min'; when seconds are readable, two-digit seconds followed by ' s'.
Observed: 3 h 10 min
